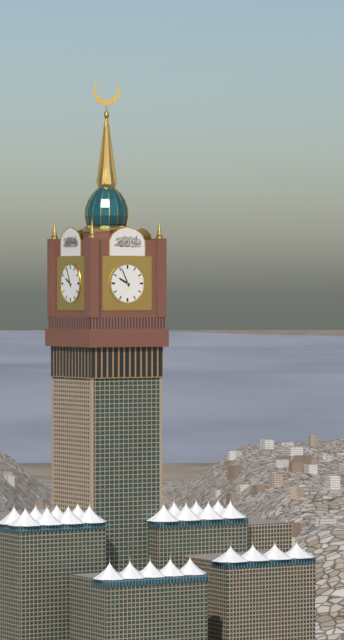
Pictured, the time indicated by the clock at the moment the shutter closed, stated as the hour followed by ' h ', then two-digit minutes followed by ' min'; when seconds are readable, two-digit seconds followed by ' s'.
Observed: 9 h 56 min
